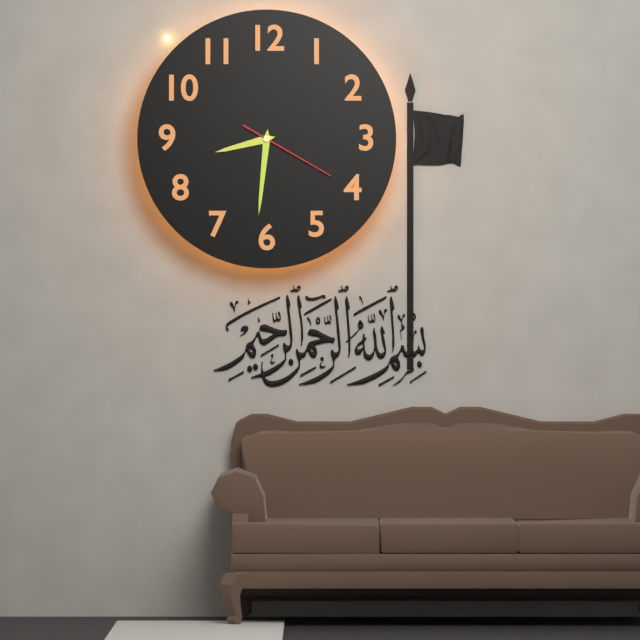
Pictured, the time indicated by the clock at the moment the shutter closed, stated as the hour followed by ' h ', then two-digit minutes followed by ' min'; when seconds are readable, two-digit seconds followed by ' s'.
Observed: 8 h 31 min 20 s
